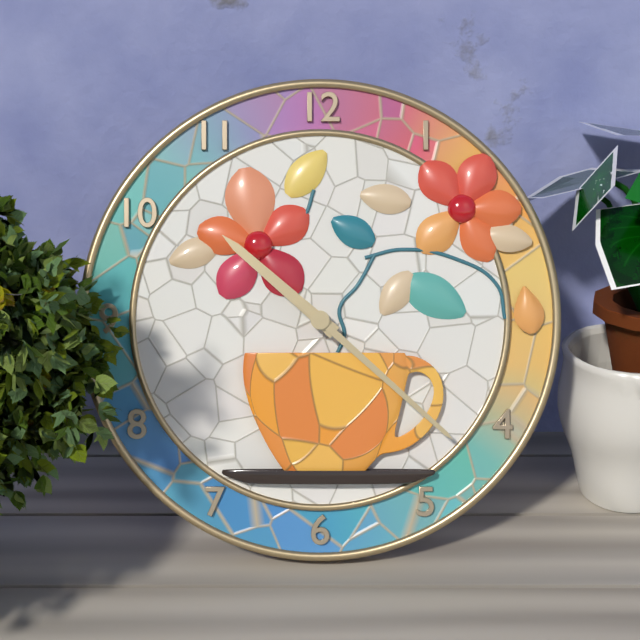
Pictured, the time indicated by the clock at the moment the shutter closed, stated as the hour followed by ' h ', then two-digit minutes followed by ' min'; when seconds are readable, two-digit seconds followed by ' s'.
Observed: 10 h 22 min
